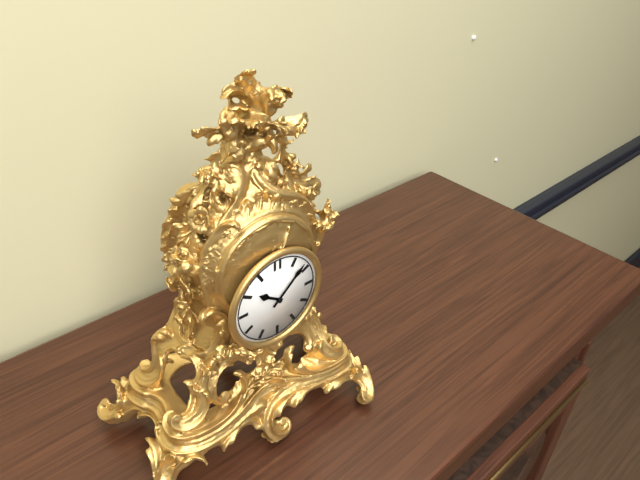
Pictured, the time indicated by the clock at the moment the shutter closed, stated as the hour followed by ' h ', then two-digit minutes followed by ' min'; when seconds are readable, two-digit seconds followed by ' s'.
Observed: 10 h 08 min
